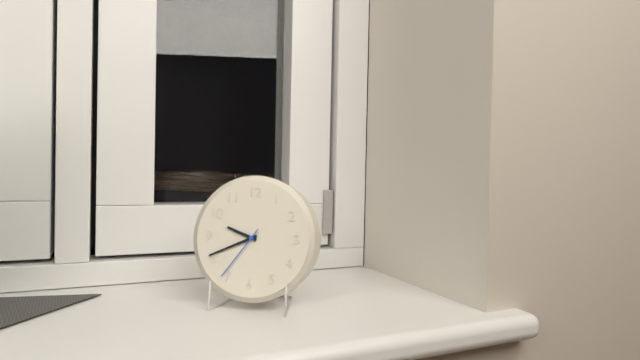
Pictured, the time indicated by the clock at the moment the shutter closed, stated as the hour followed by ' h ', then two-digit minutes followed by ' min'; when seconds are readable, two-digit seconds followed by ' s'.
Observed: 9 h 41 min 36 s
